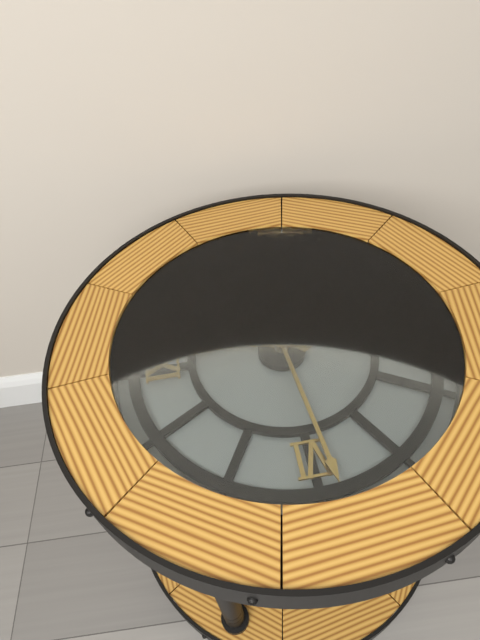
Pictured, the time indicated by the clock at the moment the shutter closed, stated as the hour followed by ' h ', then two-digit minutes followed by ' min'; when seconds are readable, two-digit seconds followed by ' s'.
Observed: 9 h 29 min
